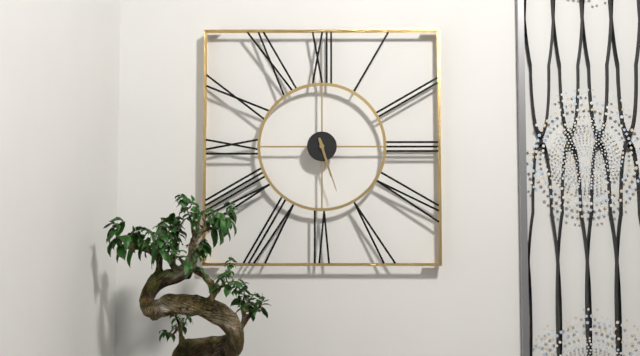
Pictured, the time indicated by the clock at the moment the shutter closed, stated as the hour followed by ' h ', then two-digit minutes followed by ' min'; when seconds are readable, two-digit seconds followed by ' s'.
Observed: 5 h 27 min
